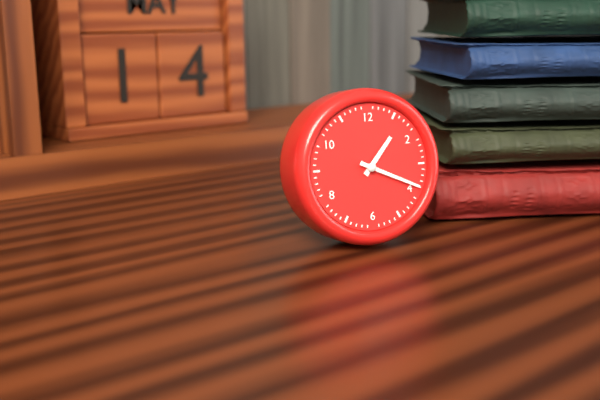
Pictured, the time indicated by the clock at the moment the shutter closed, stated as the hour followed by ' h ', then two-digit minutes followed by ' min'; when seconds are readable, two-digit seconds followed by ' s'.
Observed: 1 h 19 min
